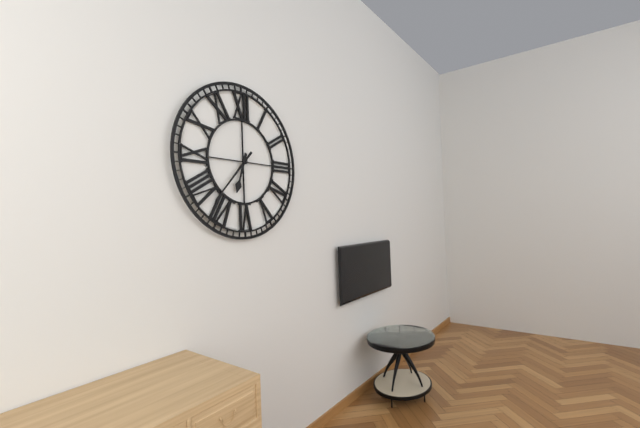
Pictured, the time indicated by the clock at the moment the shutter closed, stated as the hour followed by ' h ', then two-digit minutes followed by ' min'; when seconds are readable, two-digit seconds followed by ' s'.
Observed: 6 h 37 min
